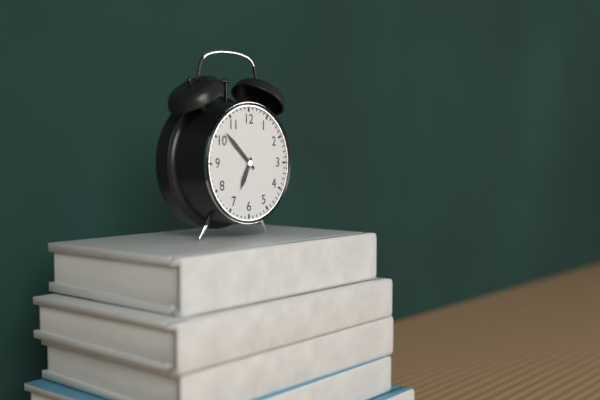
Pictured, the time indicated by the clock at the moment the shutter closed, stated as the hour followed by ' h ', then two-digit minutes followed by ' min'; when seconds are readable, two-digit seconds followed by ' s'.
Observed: 6 h 52 min
